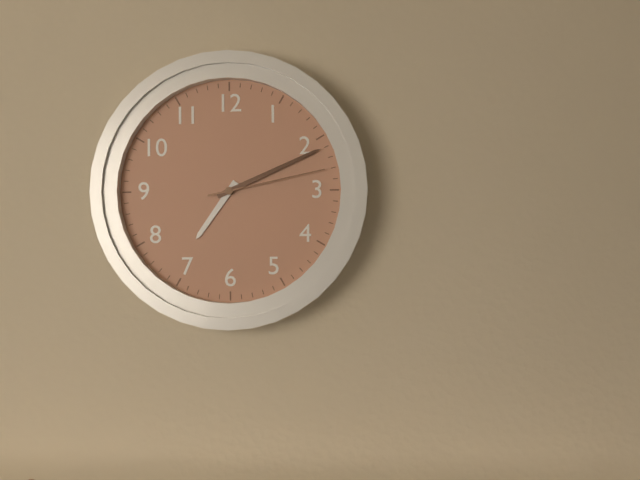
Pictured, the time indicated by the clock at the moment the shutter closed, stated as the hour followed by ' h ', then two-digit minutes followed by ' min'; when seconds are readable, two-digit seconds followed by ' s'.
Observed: 7 h 11 min 13 s
